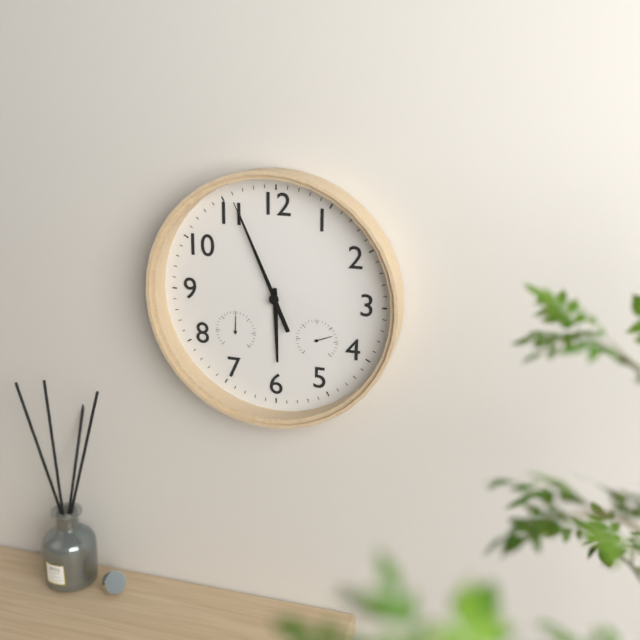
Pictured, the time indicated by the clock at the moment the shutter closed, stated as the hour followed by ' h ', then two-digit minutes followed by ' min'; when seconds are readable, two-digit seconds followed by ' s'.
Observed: 5 h 56 min 56 s
